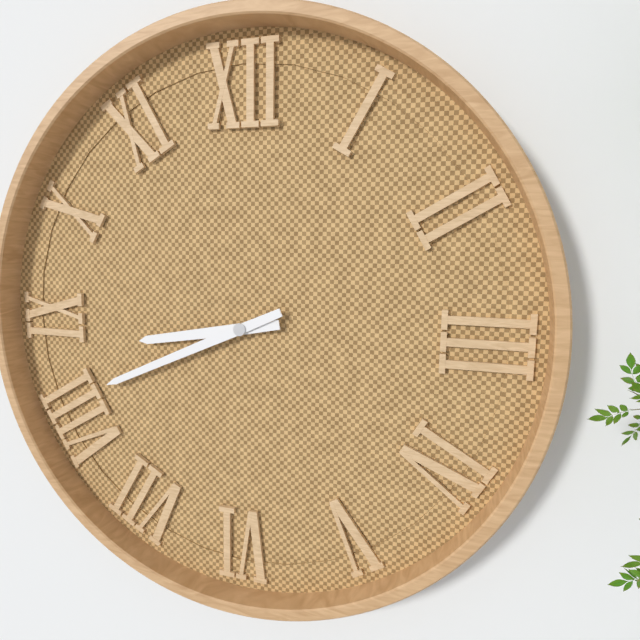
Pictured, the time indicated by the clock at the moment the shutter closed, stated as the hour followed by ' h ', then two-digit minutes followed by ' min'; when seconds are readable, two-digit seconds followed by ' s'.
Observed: 8 h 41 min
